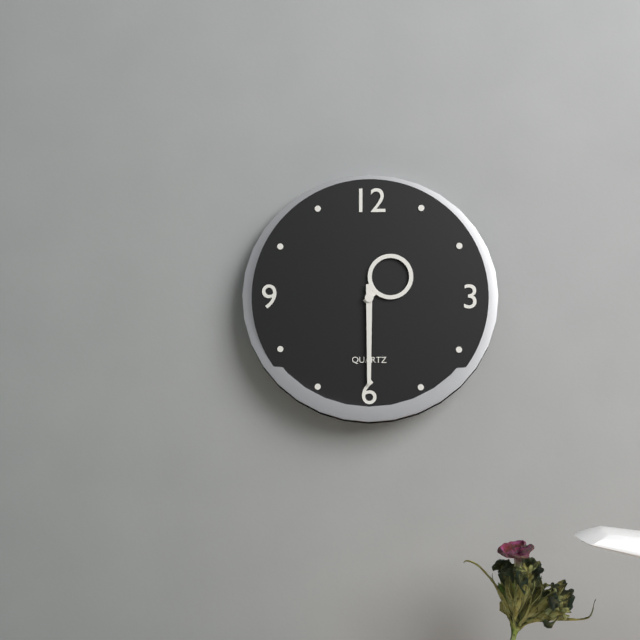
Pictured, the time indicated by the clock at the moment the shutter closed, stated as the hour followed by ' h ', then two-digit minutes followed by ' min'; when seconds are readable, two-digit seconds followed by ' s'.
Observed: 1 h 30 min
